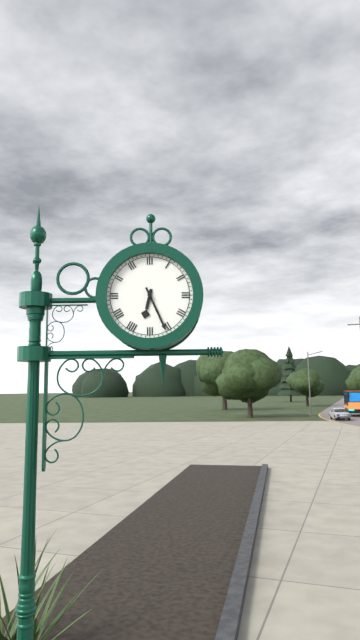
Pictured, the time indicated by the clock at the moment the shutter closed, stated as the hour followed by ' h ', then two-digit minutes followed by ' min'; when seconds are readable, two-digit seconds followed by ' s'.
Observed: 6 h 26 min
